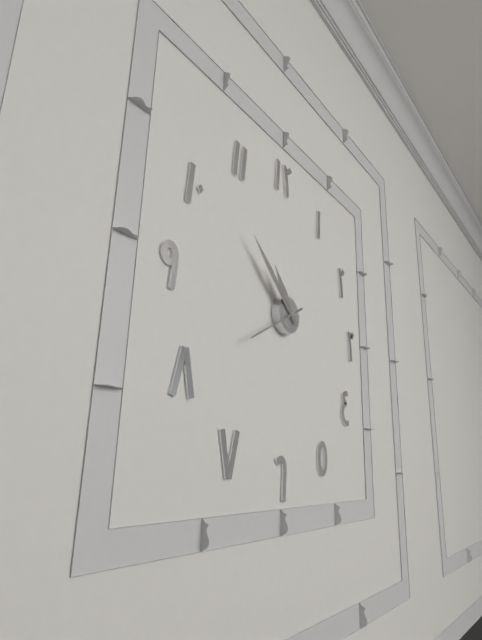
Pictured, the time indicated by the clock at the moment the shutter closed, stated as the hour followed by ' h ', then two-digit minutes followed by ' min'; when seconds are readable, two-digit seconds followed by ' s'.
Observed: 10 h 52 min 40 s
